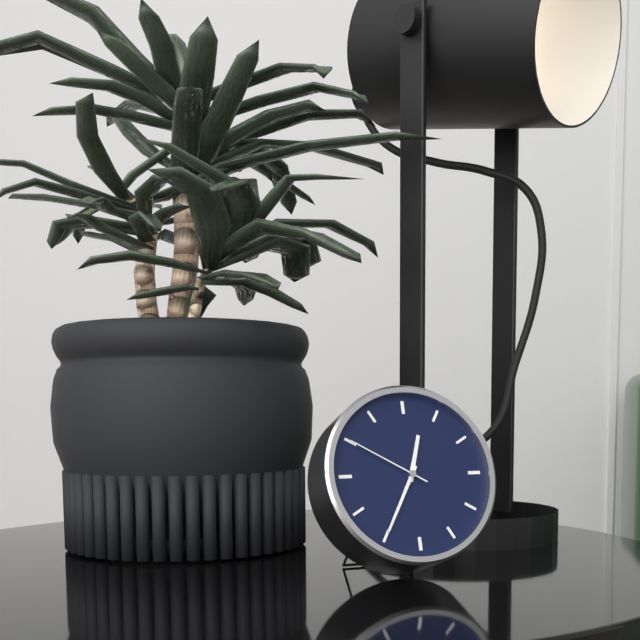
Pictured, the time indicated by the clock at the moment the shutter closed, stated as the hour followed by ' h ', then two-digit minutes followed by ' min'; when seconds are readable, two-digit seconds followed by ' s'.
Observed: 12 h 35 min 50 s
